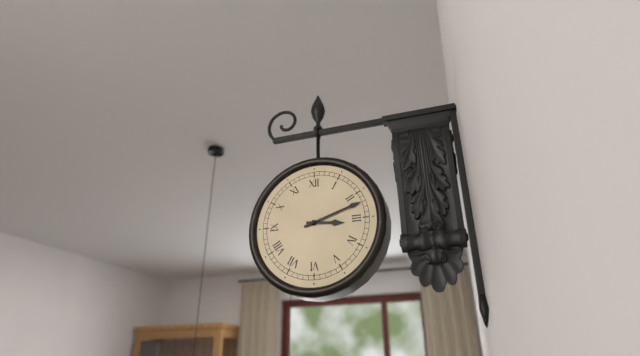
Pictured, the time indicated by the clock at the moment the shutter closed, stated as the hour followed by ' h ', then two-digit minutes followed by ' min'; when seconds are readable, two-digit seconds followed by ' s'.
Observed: 3 h 12 min
